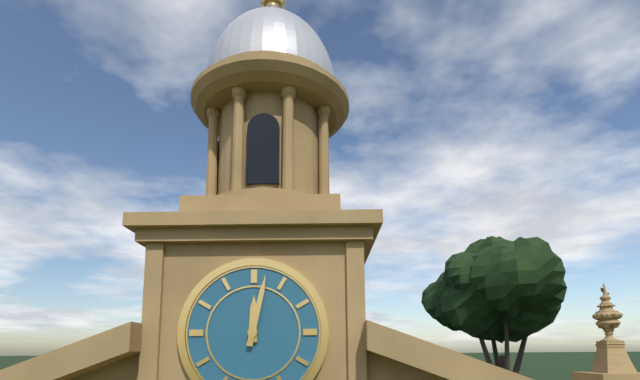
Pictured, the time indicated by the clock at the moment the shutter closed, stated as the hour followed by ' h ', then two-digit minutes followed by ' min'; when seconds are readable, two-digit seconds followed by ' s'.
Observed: 12 h 02 min
